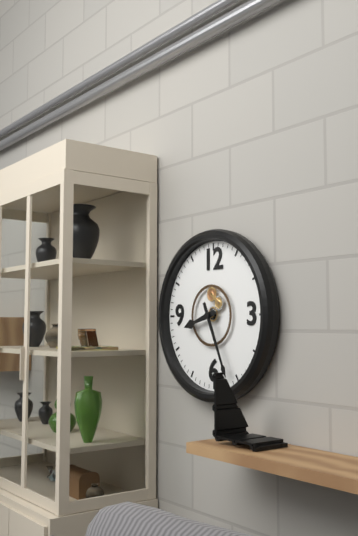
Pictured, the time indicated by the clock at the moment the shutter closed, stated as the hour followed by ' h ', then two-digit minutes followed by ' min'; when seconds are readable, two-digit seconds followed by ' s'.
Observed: 8 h 26 min
